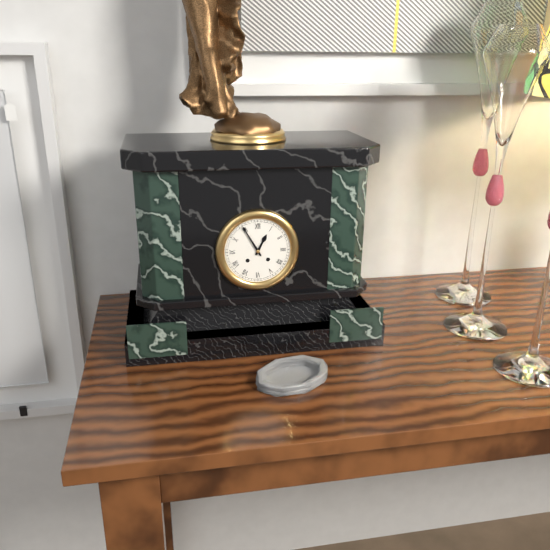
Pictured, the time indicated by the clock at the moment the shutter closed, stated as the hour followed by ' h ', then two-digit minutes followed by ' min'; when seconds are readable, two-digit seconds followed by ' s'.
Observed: 12 h 55 min
